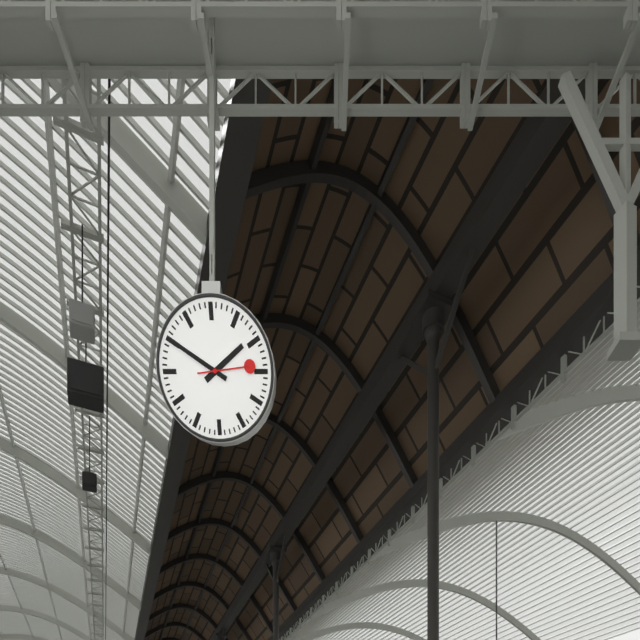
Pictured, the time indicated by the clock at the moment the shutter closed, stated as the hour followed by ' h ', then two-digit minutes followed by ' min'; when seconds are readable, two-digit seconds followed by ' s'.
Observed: 1 h 50 min 14 s
